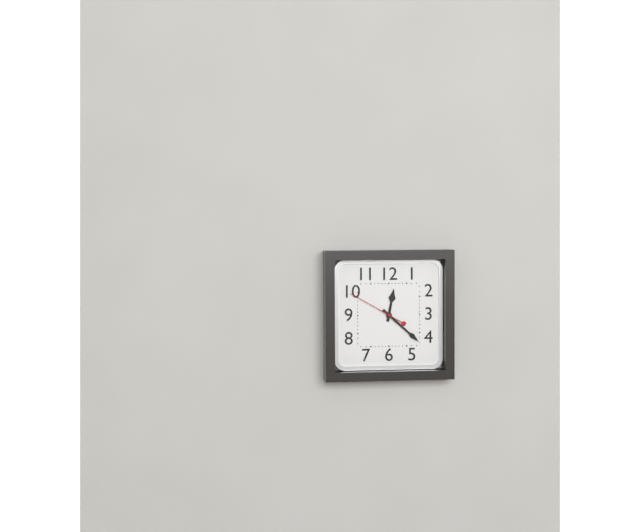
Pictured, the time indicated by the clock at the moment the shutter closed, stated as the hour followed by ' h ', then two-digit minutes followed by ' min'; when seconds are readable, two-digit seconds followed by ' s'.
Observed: 12 h 22 min 50 s
